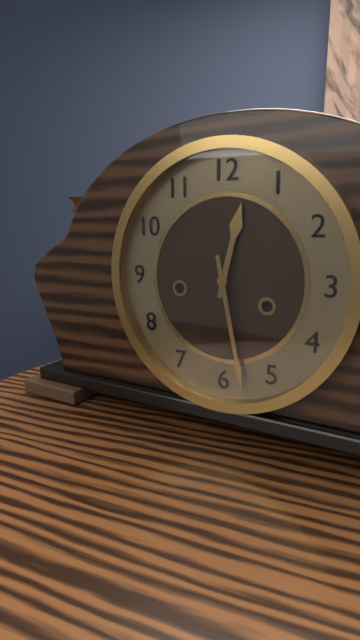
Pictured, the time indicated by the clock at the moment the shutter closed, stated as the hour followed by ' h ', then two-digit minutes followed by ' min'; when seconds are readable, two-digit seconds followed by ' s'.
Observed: 12 h 28 min
